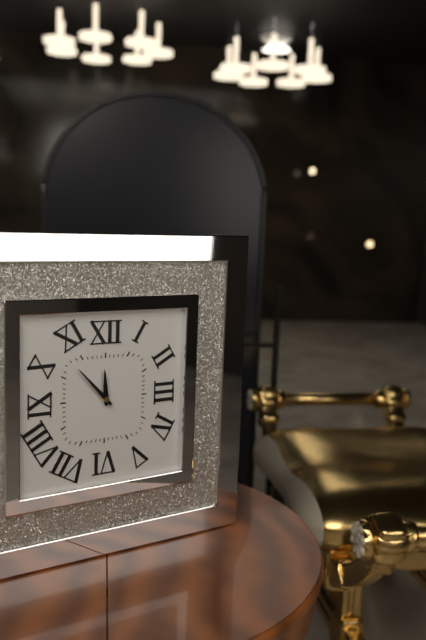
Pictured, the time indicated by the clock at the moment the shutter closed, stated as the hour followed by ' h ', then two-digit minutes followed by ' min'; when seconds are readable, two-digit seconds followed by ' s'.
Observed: 11 h 53 min
